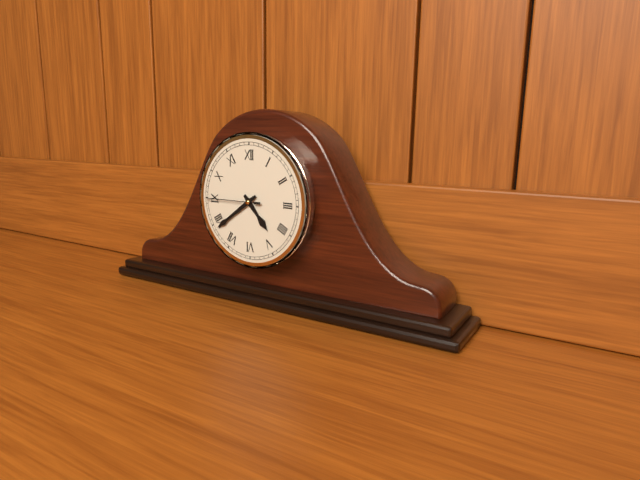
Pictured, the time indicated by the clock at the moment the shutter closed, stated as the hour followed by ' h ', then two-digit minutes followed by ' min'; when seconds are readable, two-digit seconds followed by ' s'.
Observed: 4 h 39 min 45 s
